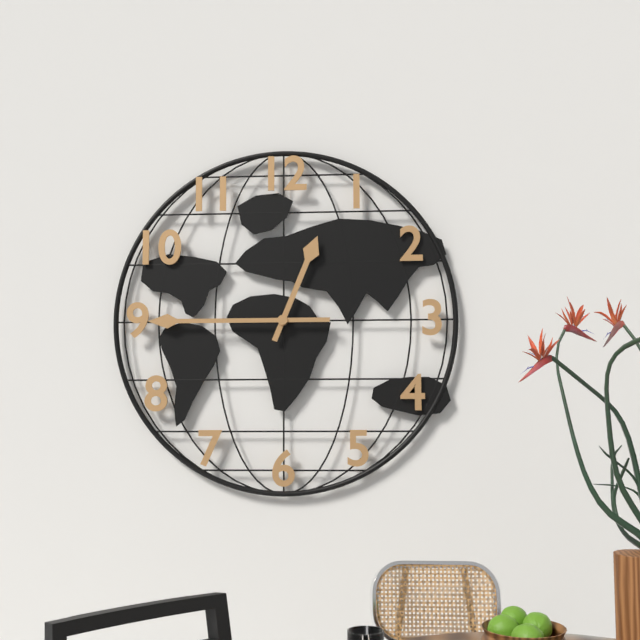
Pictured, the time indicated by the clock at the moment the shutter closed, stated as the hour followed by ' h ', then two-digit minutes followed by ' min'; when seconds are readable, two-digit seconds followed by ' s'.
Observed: 12 h 45 min
